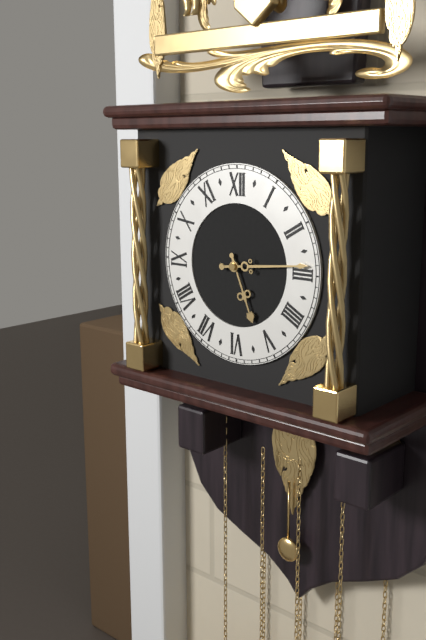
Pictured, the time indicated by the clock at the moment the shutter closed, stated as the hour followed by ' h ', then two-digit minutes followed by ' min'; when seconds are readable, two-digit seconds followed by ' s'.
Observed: 5 h 14 min
